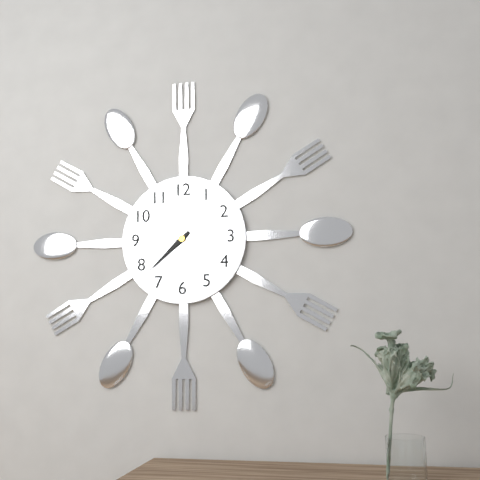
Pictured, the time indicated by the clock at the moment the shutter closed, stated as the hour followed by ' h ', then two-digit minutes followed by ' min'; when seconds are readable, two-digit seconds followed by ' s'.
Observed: 7 h 38 min
